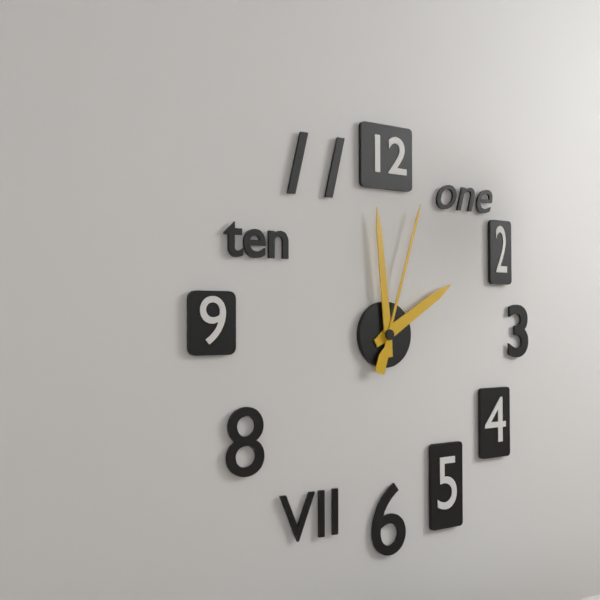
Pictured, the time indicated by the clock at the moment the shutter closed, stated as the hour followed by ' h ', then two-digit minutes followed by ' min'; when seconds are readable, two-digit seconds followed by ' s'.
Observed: 1 h 59 min 03 s
